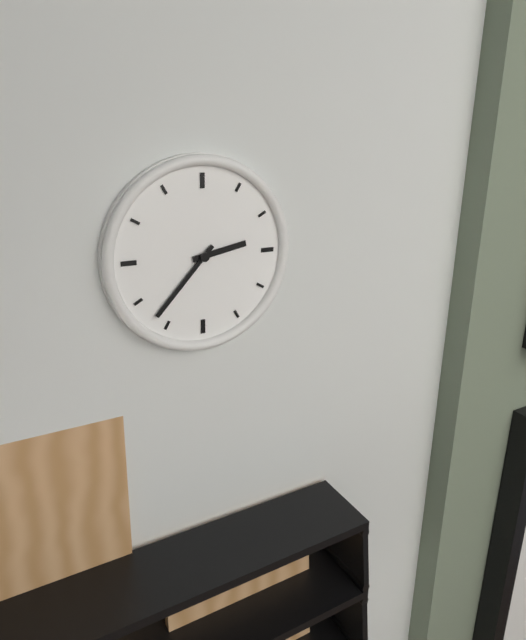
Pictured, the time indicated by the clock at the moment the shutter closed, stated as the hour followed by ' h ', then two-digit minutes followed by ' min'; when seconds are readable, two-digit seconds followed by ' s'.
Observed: 2 h 37 min
